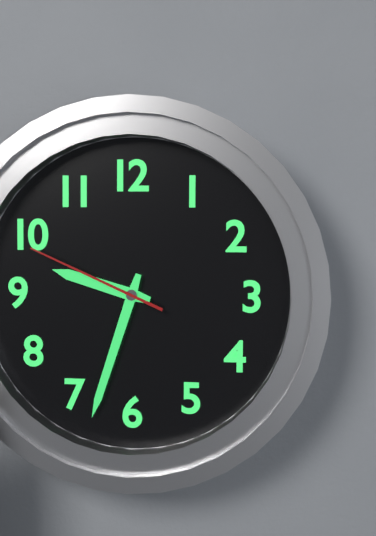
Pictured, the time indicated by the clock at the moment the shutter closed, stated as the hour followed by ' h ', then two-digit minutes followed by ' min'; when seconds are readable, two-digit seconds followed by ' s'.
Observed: 9 h 33 min 49 s
